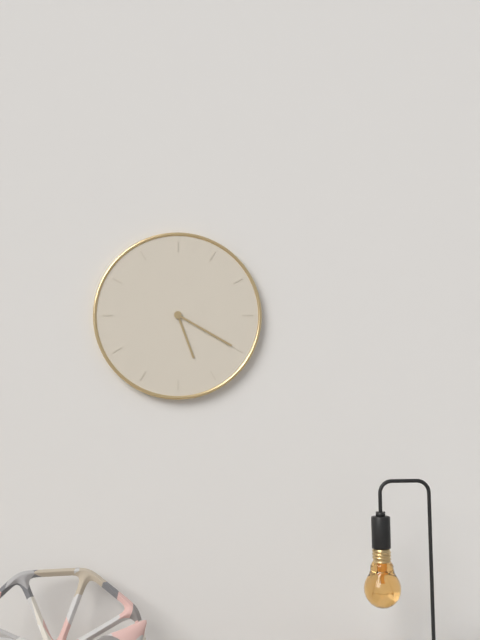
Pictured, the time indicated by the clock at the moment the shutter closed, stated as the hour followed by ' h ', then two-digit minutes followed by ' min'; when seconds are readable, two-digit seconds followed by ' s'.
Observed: 5 h 20 min
